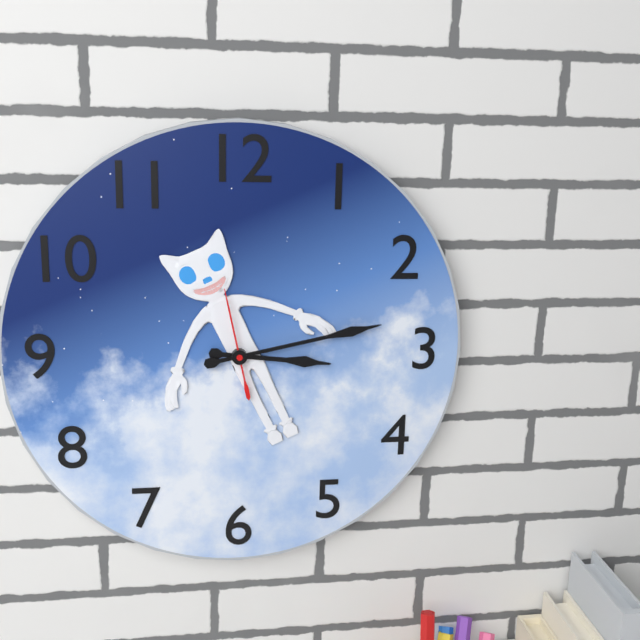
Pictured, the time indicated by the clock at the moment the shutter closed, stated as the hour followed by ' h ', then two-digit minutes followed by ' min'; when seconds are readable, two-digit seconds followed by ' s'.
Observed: 3 h 13 min 58 s
